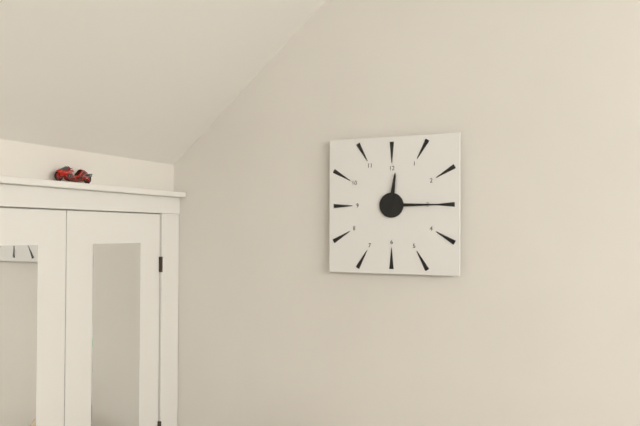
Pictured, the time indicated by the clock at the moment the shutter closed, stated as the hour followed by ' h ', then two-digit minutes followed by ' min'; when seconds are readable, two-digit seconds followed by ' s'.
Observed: 12 h 15 min
